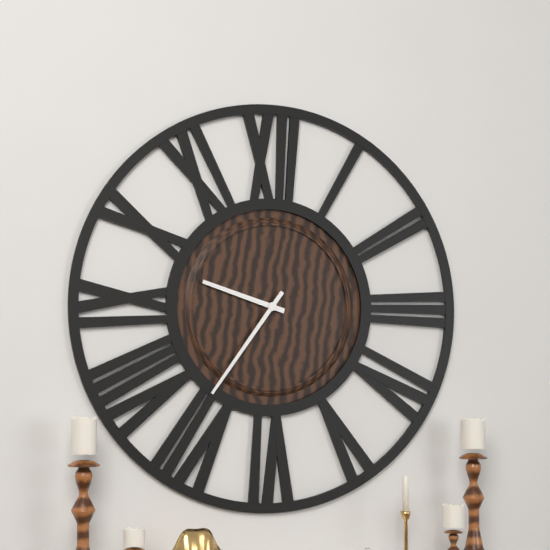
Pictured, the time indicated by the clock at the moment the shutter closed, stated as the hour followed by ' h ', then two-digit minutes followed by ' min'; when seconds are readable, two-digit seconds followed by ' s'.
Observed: 9 h 36 min
